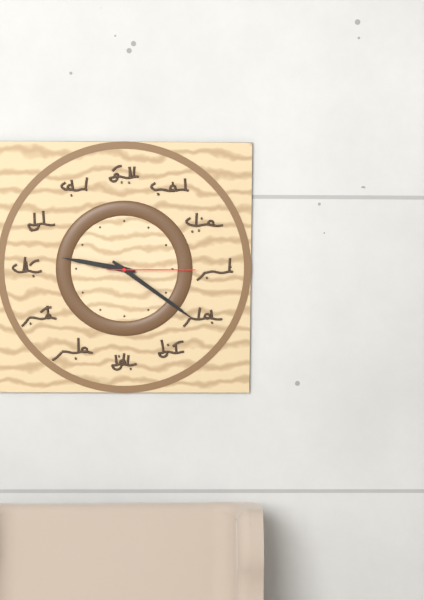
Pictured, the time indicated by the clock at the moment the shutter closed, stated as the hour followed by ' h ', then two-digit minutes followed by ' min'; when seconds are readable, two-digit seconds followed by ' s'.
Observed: 9 h 21 min 15 s
